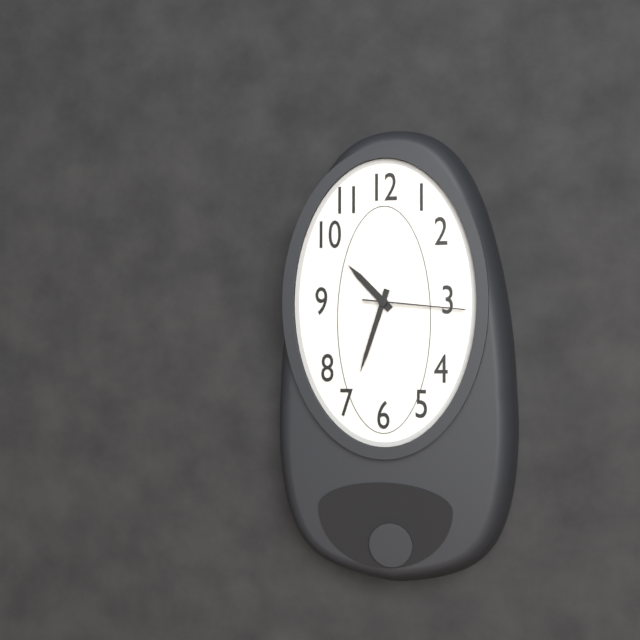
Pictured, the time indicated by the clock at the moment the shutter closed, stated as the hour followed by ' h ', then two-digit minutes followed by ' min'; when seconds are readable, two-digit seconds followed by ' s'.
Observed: 10 h 33 min 16 s
